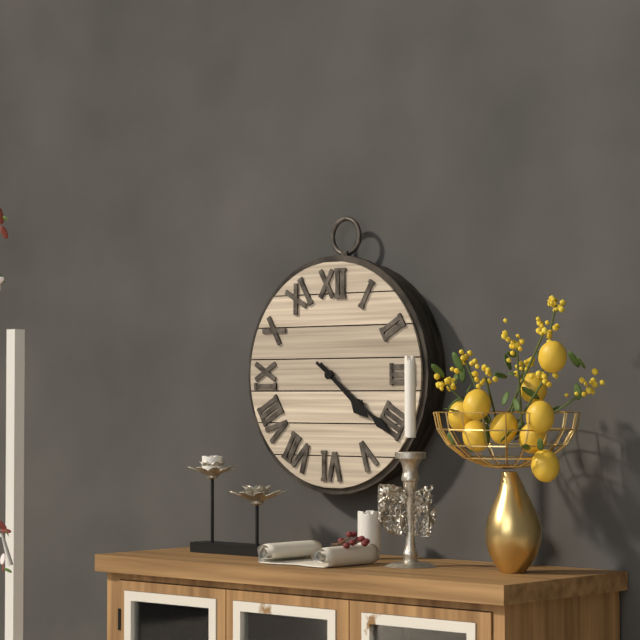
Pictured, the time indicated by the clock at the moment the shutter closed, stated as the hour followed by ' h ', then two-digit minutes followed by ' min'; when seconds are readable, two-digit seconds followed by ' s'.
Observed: 4 h 21 min
